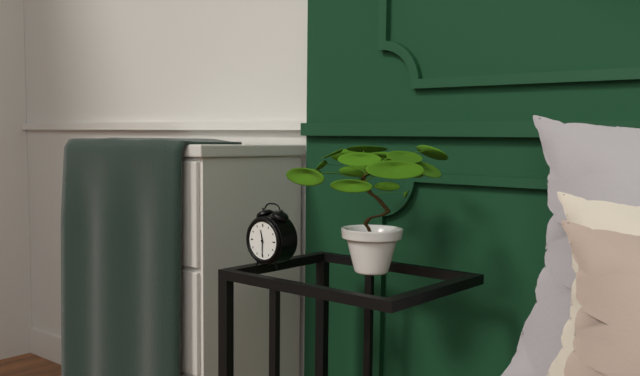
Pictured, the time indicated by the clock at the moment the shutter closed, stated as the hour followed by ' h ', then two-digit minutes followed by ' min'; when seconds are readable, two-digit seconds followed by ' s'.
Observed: 11 h 30 min
